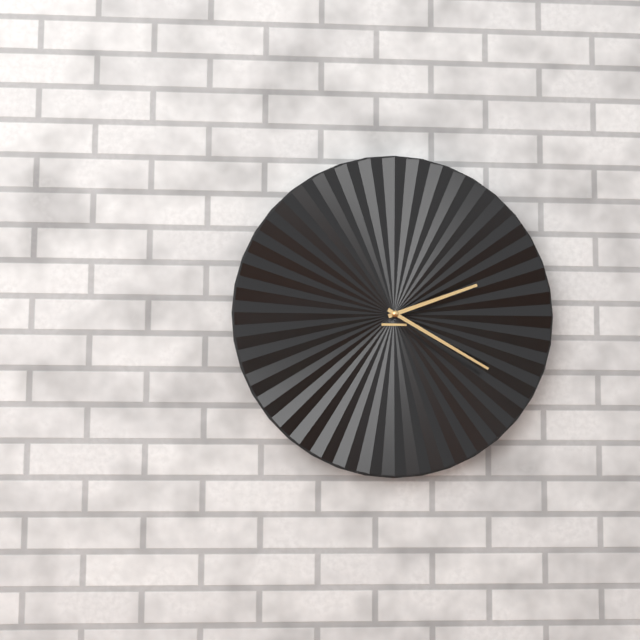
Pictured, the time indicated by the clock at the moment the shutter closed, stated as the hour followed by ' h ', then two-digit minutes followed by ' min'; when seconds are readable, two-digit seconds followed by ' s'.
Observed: 2 h 20 min
